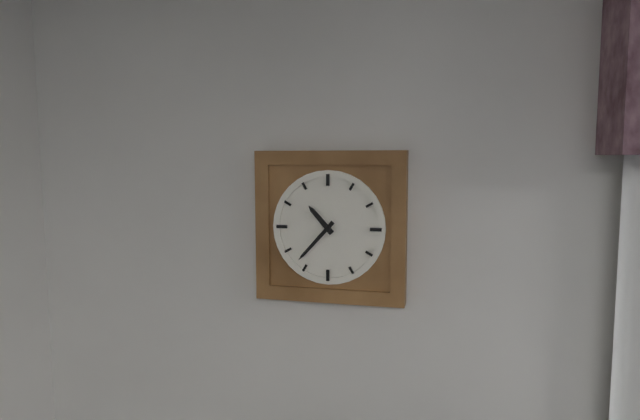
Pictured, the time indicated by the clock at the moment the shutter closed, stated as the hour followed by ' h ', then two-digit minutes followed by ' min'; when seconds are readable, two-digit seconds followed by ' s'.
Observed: 10 h 37 min
